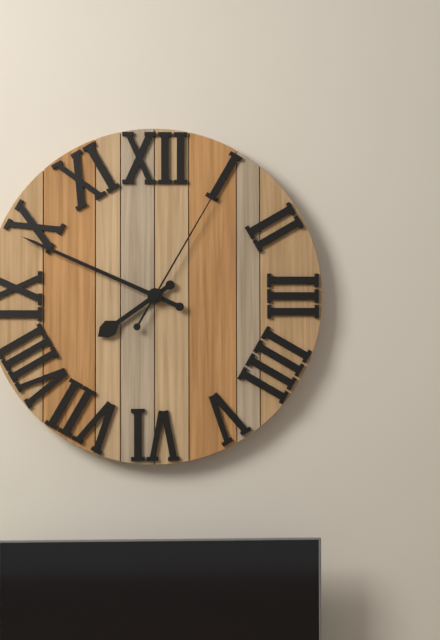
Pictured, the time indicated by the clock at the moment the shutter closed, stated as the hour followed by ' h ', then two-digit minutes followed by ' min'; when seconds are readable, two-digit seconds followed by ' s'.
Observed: 7 h 49 min 05 s
